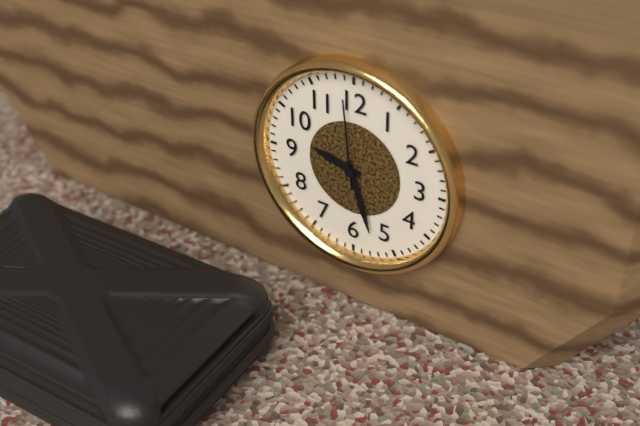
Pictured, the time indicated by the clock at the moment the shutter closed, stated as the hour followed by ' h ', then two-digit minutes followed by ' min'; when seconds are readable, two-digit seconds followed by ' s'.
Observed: 9 h 27 min 59 s
